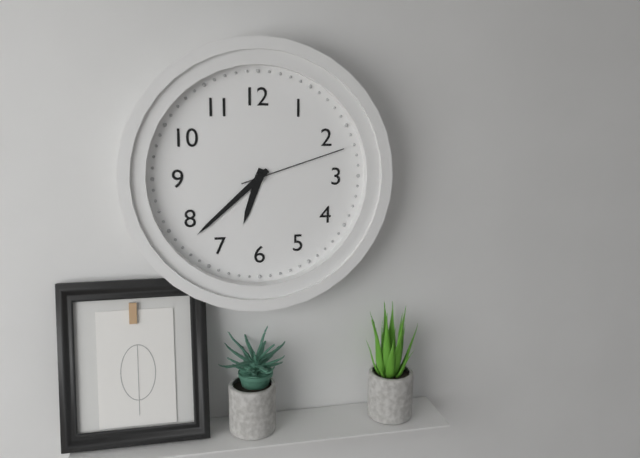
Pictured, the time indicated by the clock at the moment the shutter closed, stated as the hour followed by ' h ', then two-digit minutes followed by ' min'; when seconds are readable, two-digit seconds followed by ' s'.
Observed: 6 h 38 min 12 s
